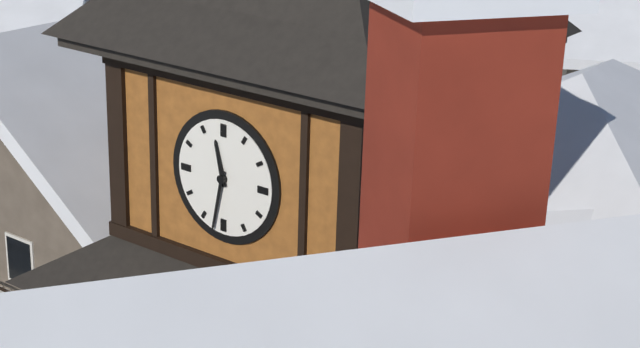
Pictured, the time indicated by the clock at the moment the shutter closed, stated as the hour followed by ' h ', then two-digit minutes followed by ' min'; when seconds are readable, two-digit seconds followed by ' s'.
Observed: 11 h 32 min
